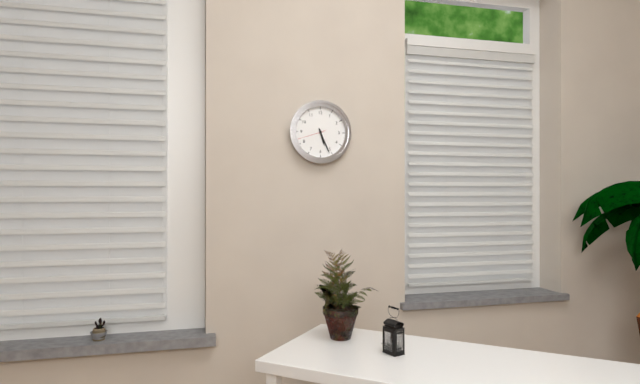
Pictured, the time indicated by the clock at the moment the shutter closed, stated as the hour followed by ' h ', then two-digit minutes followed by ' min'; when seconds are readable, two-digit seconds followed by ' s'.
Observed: 5 h 26 min
